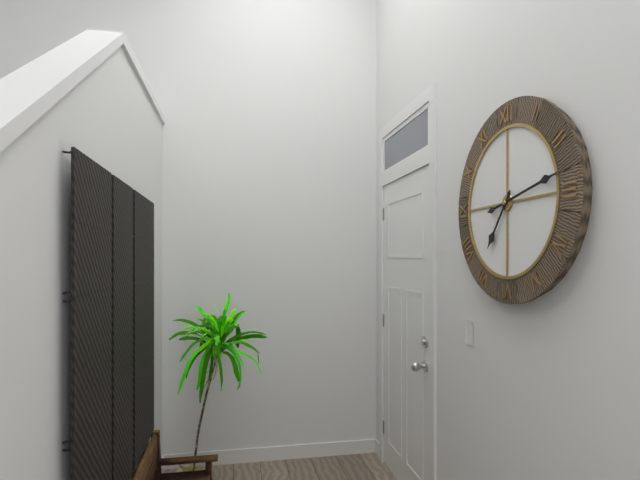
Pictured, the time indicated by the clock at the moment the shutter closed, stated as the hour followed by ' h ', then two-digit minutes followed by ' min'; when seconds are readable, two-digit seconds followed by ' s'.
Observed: 7 h 13 min
